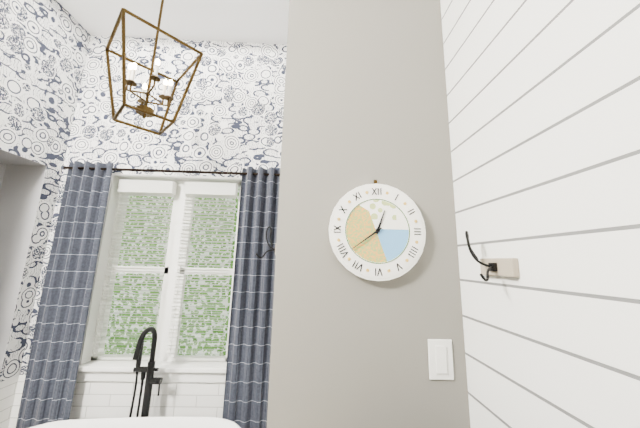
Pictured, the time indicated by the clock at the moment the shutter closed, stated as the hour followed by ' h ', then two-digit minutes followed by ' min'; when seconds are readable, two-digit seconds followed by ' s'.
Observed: 12 h 39 min
